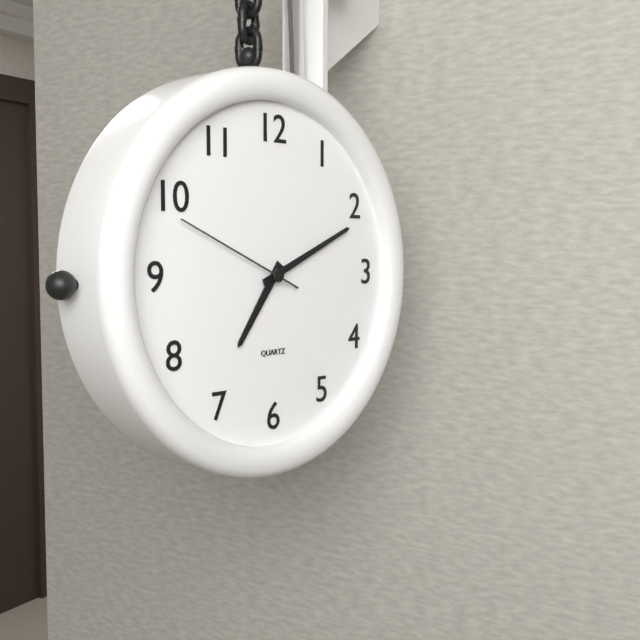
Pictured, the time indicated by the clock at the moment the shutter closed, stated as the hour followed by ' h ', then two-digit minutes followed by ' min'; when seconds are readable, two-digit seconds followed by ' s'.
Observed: 7 h 11 min 49 s
